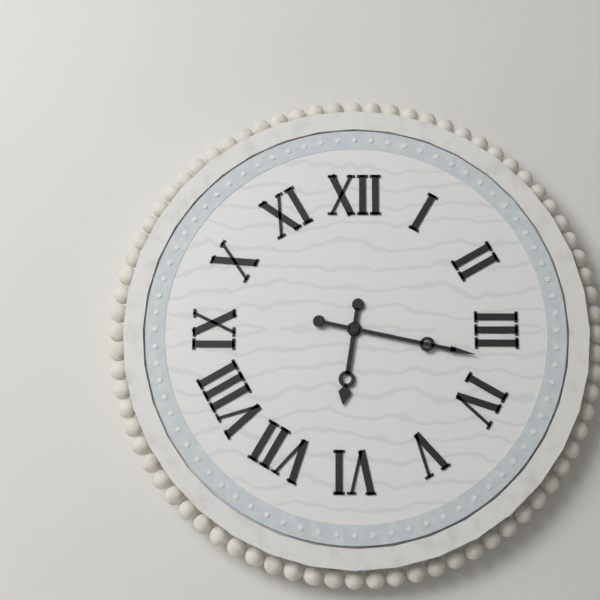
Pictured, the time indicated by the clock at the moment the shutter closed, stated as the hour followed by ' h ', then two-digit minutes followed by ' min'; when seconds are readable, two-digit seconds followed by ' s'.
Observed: 6 h 17 min
